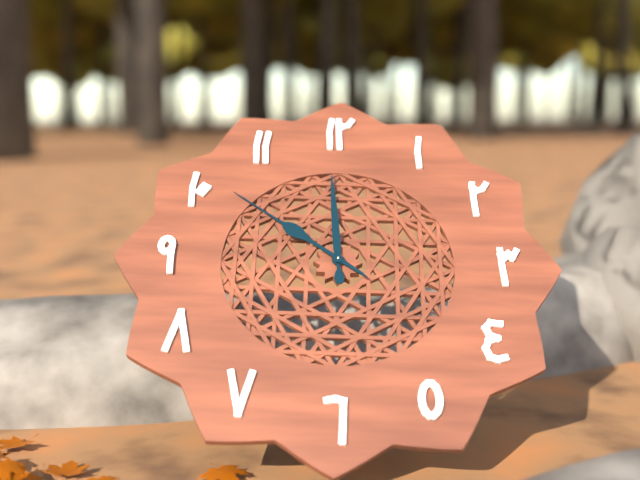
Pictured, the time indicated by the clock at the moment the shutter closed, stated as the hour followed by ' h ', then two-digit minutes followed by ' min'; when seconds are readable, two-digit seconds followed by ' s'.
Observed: 11 h 51 min
